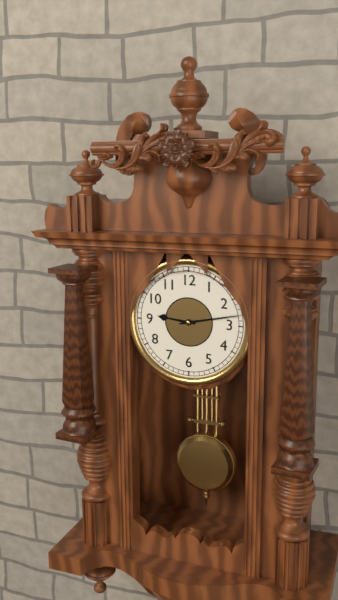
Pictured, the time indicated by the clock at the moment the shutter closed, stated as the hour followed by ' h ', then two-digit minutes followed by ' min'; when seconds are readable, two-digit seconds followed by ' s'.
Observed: 9 h 13 min
